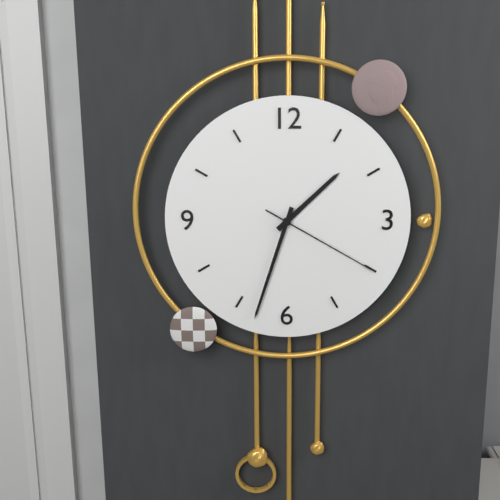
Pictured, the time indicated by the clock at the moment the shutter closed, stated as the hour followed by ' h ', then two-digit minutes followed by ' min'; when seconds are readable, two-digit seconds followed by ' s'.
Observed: 1 h 33 min 20 s
